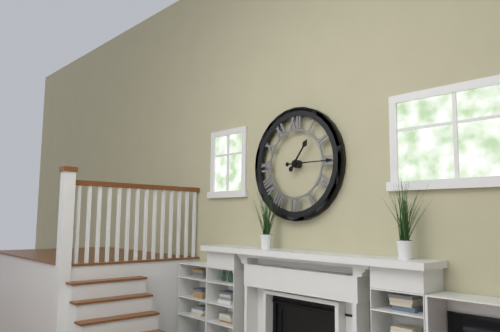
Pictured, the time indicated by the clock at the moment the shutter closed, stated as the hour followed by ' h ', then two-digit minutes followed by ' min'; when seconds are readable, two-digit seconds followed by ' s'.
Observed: 1 h 15 min
